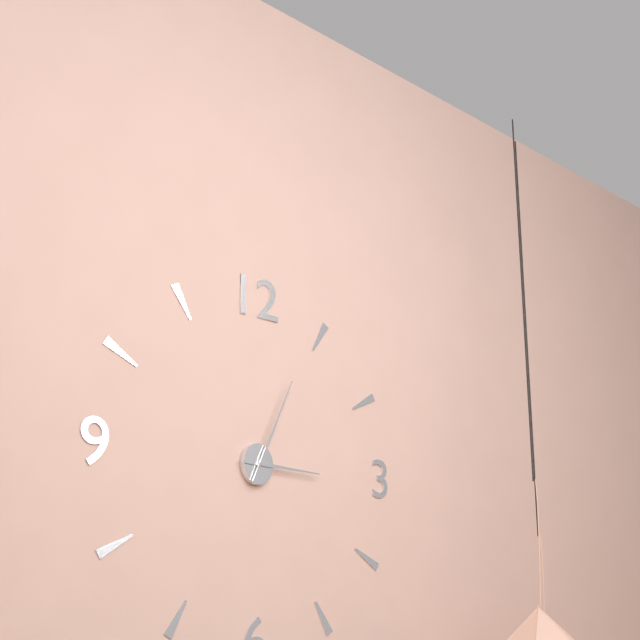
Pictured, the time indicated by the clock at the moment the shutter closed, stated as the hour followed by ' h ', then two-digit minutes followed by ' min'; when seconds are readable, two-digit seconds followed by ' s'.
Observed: 3 h 04 min
